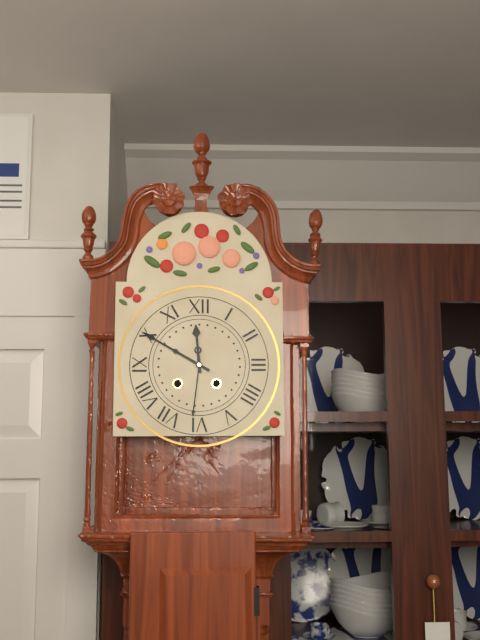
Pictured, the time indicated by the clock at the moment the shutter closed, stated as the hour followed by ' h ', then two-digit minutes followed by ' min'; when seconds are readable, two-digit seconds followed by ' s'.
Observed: 11 h 50 min
